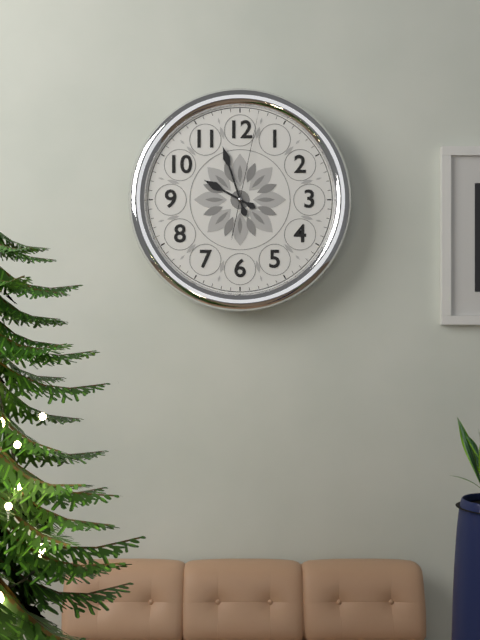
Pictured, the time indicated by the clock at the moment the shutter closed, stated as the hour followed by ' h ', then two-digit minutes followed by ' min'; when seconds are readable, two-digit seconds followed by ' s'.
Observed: 9 h 57 min 02 s
